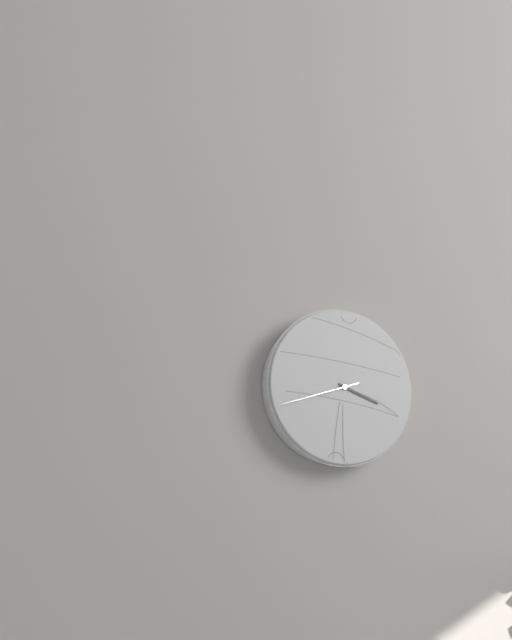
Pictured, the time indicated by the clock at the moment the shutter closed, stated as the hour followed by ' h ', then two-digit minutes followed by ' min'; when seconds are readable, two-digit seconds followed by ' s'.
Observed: 3 h 42 min
